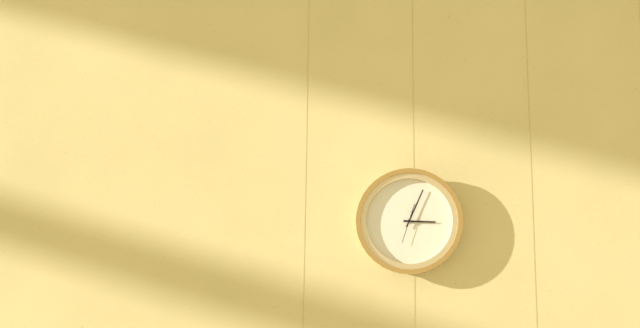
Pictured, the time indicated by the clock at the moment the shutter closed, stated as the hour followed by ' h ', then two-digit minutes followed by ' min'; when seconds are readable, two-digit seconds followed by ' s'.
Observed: 3 h 04 min
